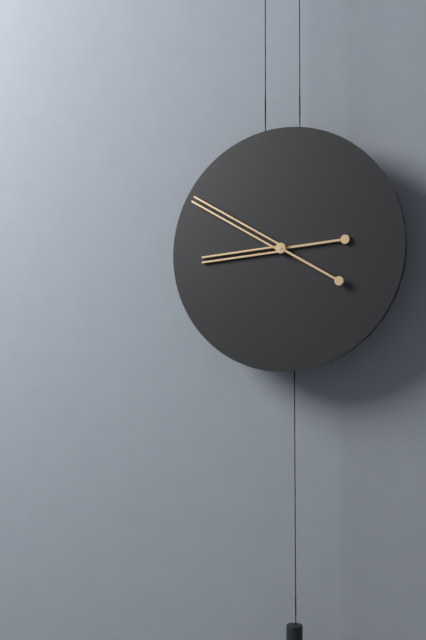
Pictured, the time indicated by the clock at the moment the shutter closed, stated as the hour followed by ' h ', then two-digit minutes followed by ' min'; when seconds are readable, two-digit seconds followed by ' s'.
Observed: 8 h 50 min
